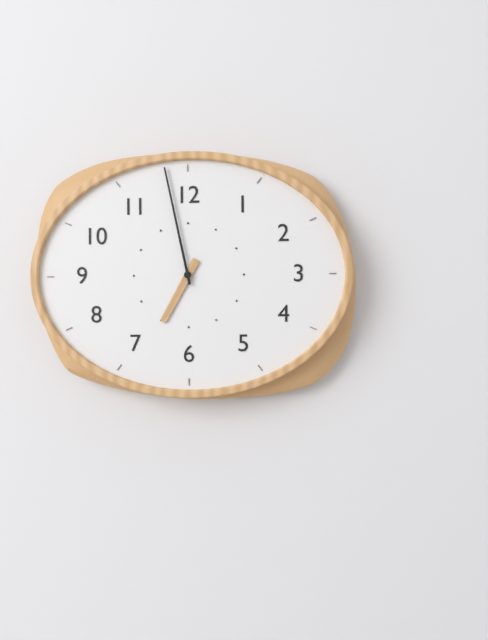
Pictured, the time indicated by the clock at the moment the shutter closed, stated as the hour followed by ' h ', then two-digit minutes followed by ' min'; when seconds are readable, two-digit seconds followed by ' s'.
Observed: 6 h 58 min
